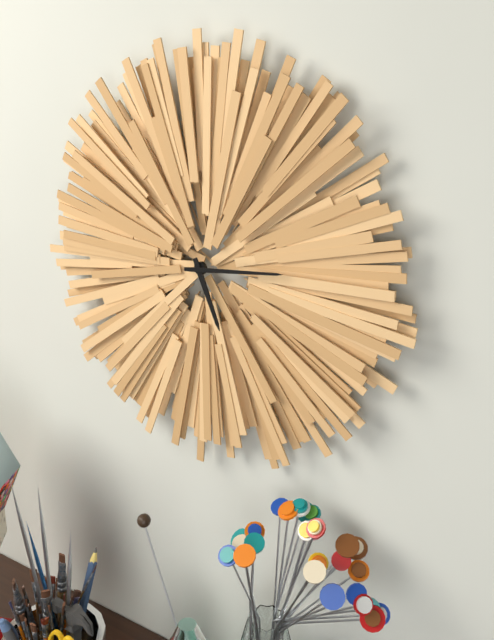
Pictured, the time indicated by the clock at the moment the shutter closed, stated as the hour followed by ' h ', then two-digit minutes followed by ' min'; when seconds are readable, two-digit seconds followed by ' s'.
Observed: 5 h 14 min
